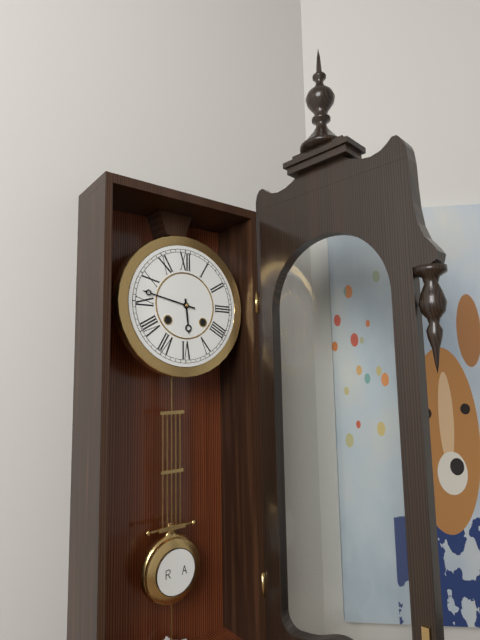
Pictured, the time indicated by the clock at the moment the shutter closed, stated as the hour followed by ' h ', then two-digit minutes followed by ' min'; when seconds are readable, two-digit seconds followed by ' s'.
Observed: 5 h 47 min
